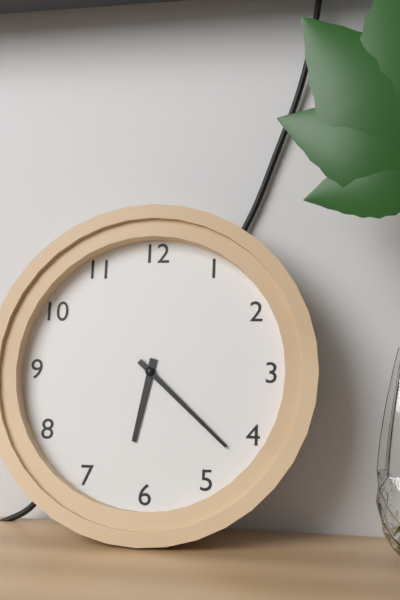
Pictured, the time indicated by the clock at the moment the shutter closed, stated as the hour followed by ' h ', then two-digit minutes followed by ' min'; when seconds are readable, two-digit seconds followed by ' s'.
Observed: 6 h 22 min
